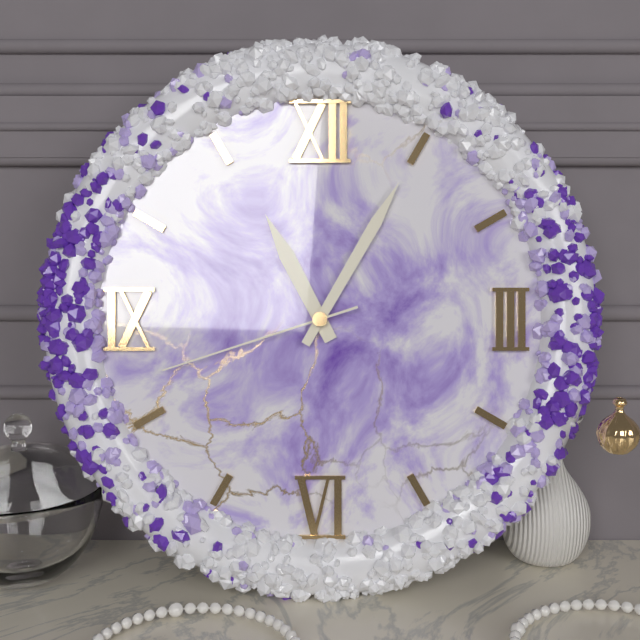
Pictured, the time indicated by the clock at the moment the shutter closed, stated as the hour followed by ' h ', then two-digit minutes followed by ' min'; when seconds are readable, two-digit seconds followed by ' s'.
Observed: 11 h 05 min 42 s
